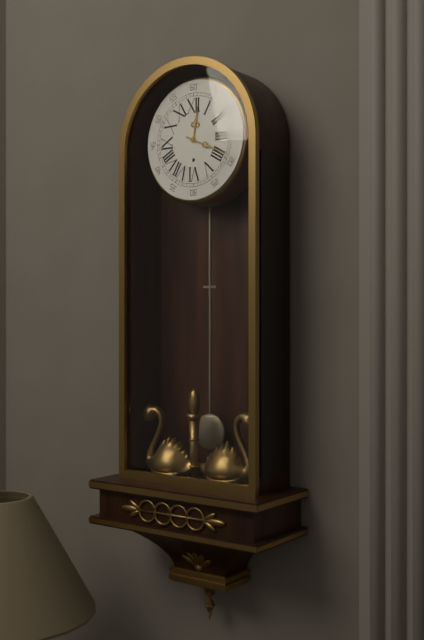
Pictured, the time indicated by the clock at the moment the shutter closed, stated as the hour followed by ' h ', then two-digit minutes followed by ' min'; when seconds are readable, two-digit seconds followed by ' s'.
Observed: 12 h 19 min
